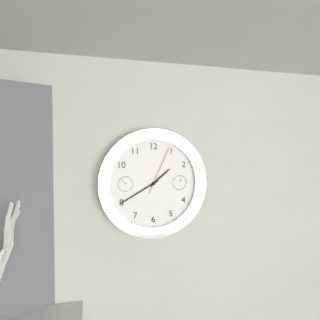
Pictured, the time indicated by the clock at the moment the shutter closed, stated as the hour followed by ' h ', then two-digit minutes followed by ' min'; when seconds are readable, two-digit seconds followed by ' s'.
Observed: 1 h 40 min 04 s
